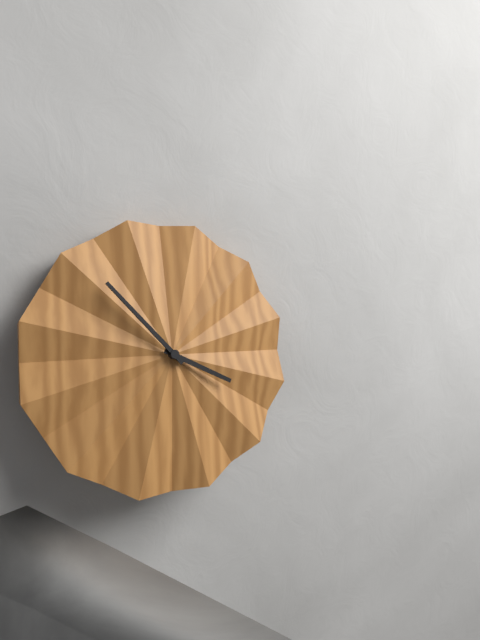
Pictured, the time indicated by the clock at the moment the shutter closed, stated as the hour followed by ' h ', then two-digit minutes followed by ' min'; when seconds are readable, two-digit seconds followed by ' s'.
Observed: 3 h 53 min
